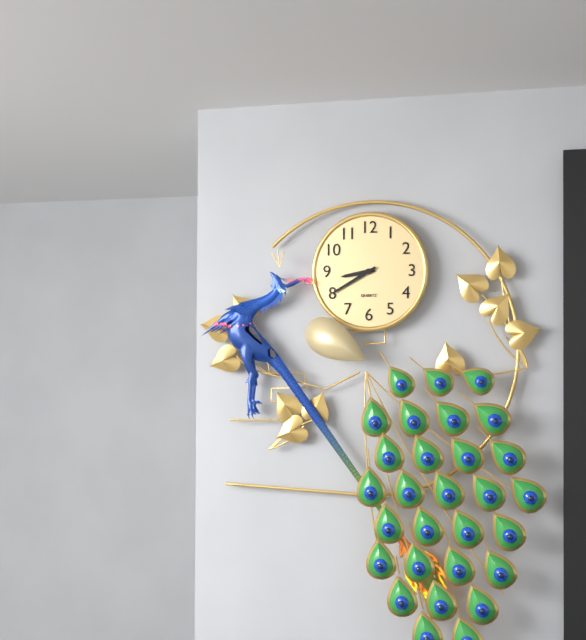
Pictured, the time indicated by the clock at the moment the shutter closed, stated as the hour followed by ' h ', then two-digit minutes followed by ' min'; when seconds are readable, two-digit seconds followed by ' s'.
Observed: 8 h 40 min
